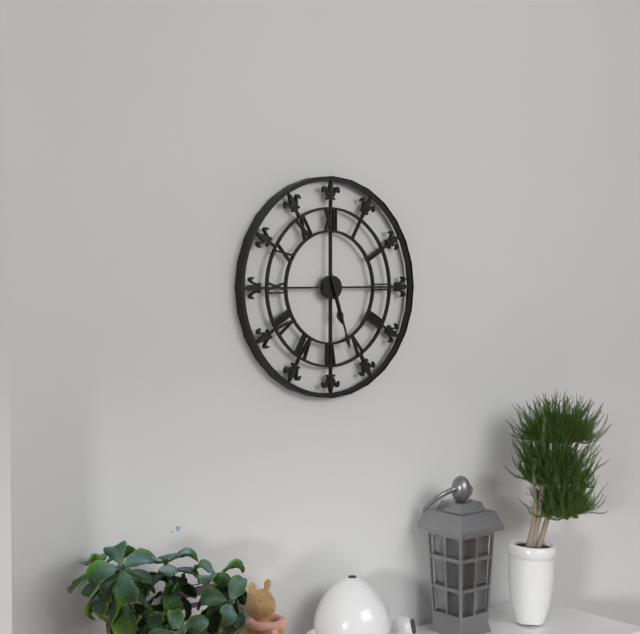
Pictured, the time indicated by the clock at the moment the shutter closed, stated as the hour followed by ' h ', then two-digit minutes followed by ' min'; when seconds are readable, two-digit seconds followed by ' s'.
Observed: 5 h 27 min
